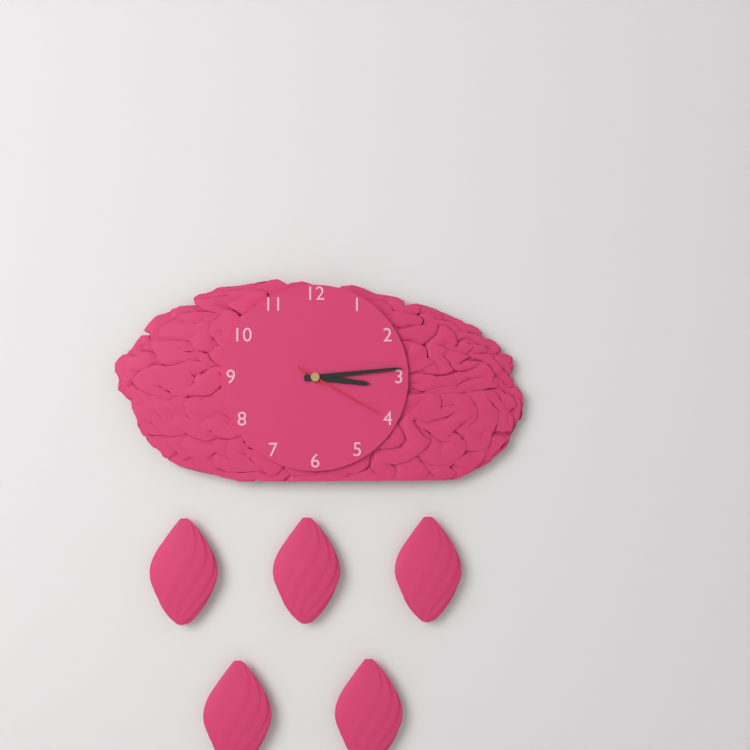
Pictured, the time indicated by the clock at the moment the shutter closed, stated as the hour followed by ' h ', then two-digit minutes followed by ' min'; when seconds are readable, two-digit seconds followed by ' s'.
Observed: 3 h 14 min 20 s
